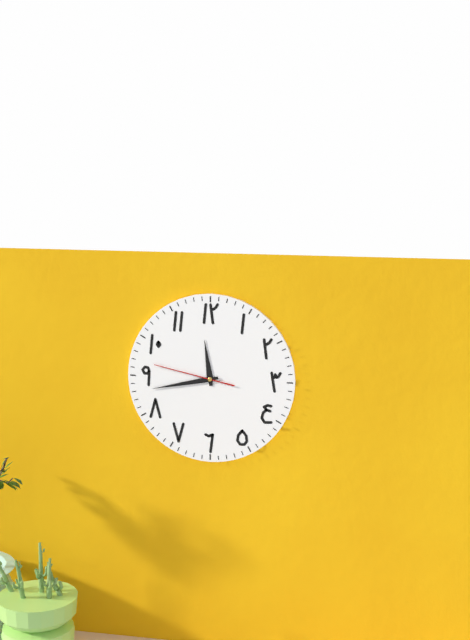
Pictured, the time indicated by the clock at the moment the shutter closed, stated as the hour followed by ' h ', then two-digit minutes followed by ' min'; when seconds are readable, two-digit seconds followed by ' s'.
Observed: 11 h 43 min 47 s
